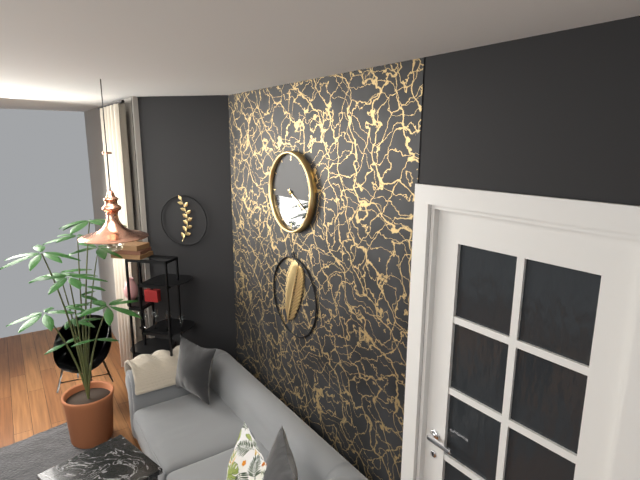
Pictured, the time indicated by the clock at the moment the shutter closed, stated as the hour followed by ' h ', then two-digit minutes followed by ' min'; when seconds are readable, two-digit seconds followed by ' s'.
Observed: 4 h 20 min
